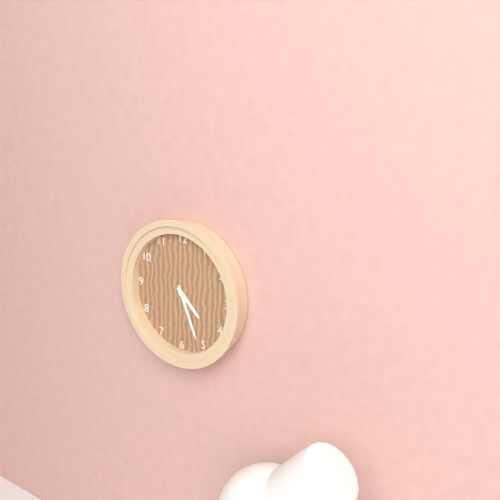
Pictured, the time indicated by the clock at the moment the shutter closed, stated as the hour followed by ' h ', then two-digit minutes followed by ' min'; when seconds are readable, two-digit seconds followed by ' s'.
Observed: 4 h 26 min
